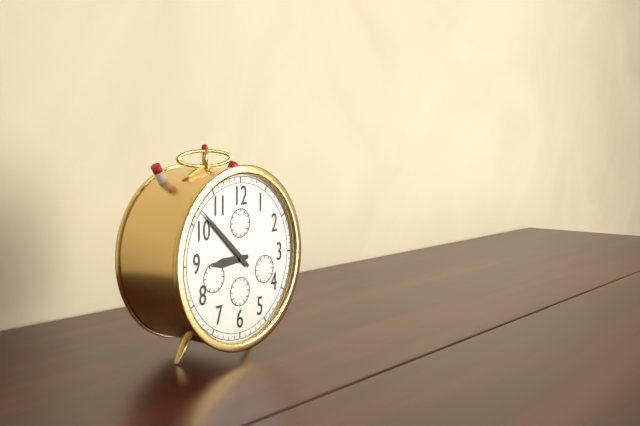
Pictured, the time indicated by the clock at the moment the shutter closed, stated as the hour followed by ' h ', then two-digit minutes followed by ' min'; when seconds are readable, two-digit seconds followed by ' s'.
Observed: 8 h 52 min
